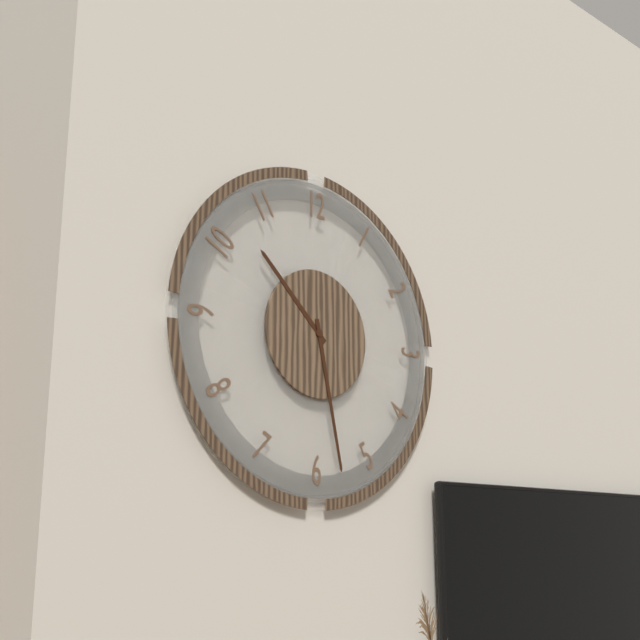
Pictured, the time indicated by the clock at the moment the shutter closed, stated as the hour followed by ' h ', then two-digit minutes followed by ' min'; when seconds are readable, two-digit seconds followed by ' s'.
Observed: 10 h 28 min
